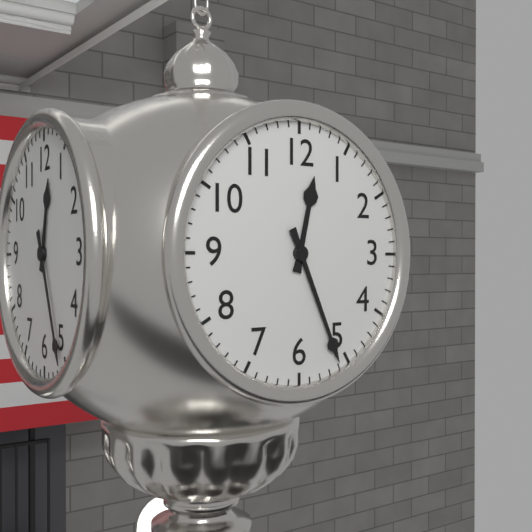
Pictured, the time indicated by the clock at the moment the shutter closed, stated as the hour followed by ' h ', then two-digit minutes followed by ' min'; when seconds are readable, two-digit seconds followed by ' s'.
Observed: 12 h 26 min
